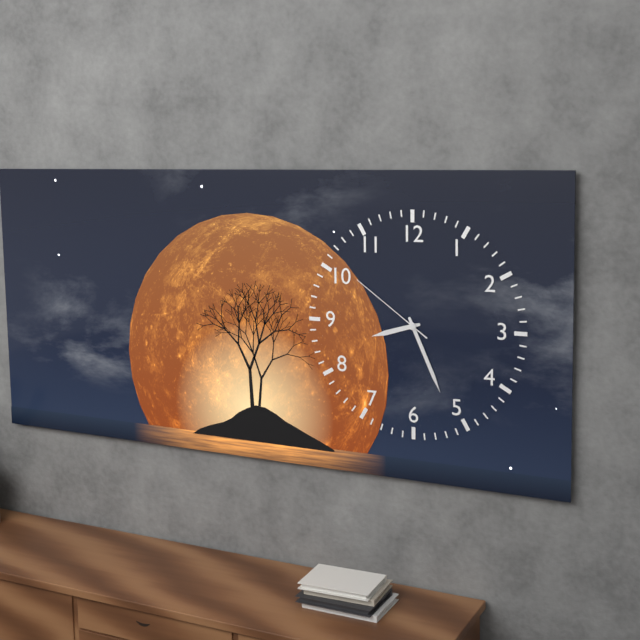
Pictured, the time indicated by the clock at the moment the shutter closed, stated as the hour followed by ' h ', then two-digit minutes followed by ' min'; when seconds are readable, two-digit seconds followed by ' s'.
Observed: 8 h 26 min 51 s
